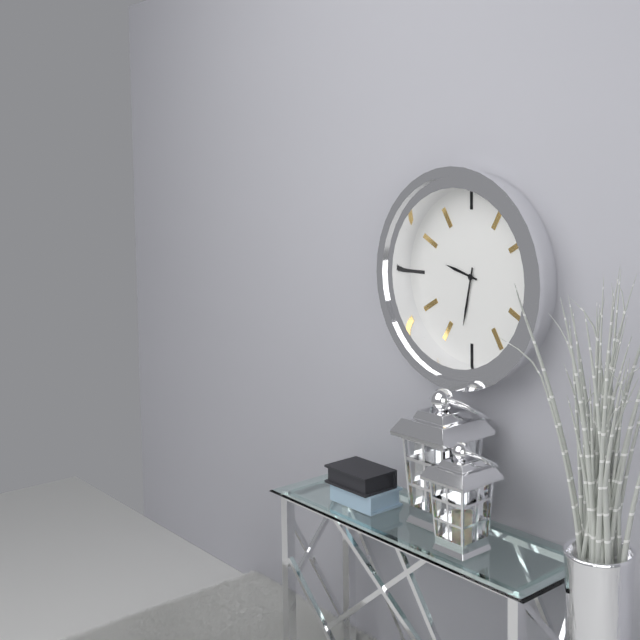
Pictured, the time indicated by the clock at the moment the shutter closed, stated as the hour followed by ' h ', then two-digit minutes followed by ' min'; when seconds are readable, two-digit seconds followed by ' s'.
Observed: 9 h 32 min
